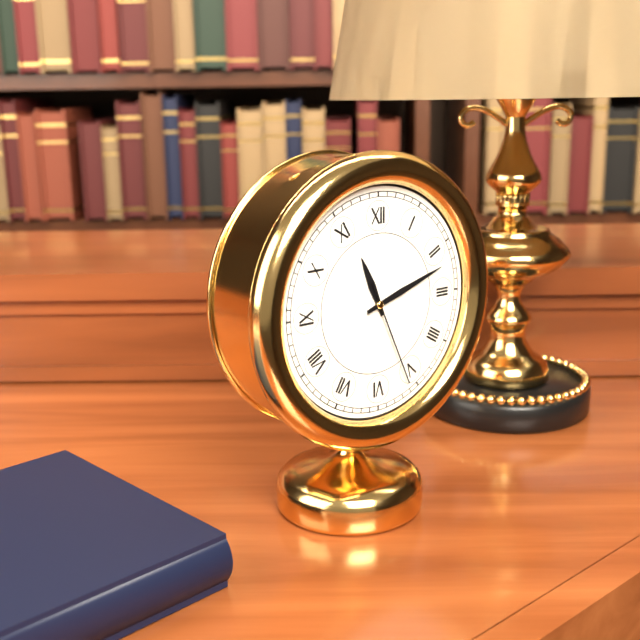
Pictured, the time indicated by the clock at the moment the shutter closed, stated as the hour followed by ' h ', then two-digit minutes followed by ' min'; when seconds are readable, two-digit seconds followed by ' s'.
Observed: 11 h 12 min 26 s
